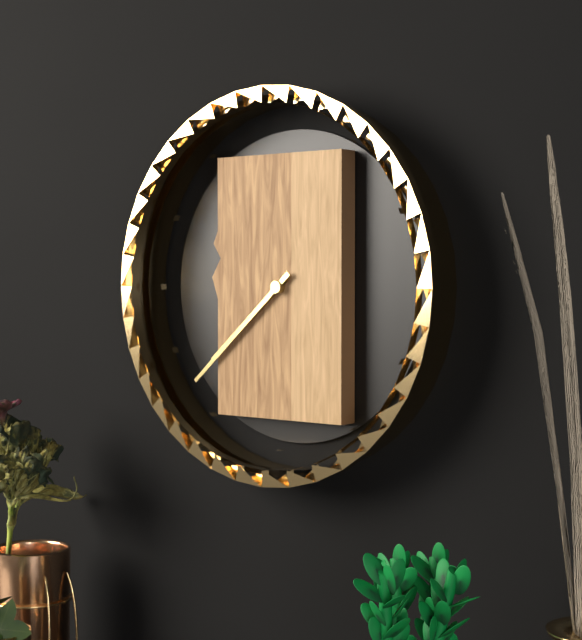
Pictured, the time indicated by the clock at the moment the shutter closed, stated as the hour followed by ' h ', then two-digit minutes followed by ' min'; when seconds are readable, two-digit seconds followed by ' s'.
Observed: 7 h 38 min
